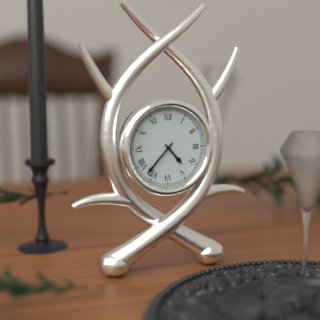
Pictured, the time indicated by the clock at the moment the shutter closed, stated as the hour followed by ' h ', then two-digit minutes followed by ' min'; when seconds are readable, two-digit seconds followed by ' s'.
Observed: 4 h 37 min
